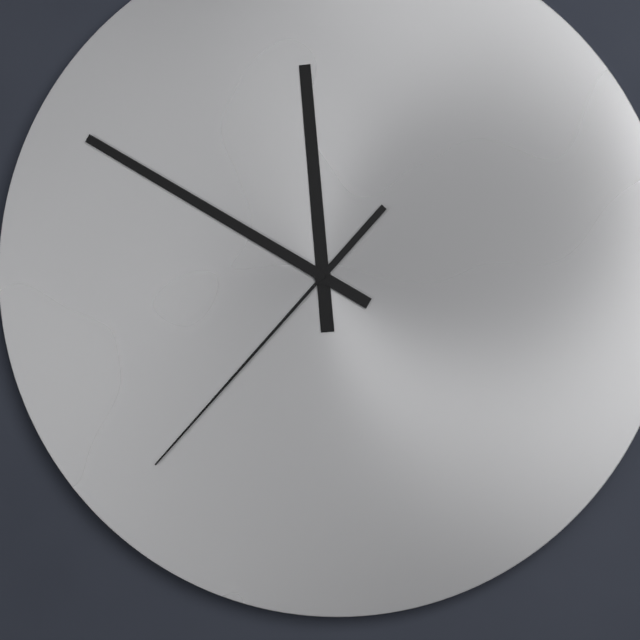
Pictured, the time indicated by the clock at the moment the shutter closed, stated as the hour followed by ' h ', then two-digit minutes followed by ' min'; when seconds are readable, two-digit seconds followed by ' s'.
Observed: 11 h 50 min 37 s
